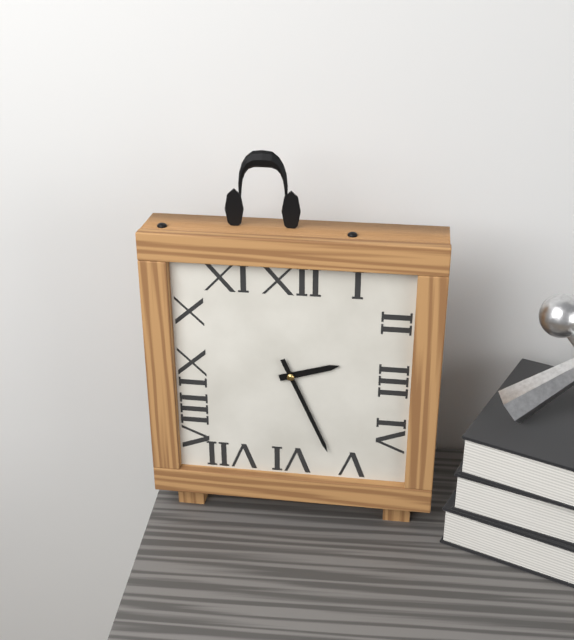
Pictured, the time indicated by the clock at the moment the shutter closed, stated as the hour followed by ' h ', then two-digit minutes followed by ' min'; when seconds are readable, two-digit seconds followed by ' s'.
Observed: 2 h 26 min
